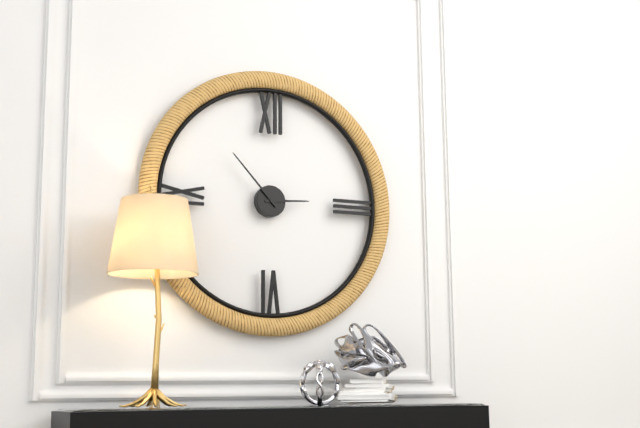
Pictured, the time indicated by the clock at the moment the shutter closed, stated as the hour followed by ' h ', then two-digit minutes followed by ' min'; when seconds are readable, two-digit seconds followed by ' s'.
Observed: 2 h 53 min
